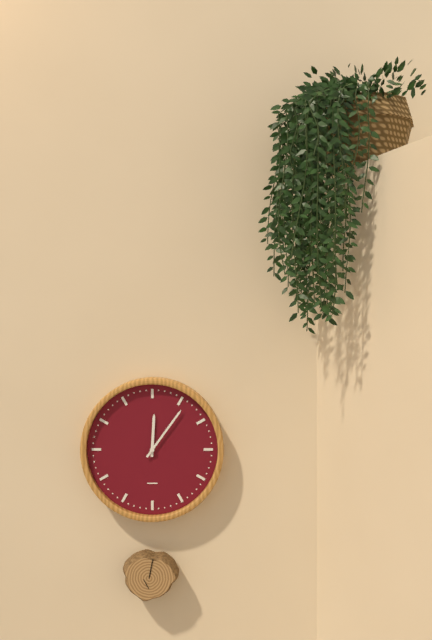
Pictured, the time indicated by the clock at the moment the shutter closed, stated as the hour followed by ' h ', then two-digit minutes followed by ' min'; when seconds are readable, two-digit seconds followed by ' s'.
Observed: 12 h 06 min
